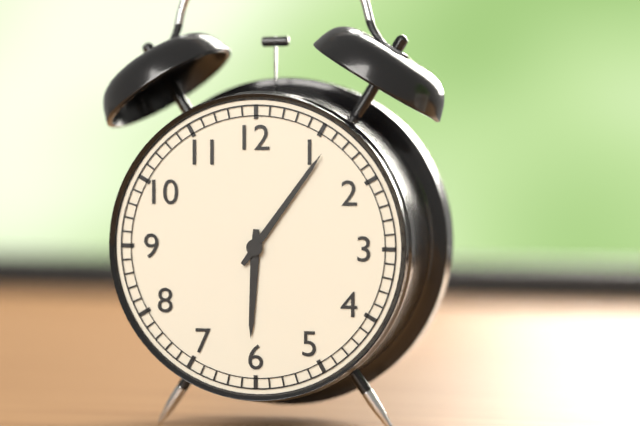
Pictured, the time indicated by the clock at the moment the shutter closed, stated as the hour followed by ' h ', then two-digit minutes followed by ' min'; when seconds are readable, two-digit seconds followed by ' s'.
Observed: 6 h 06 min
